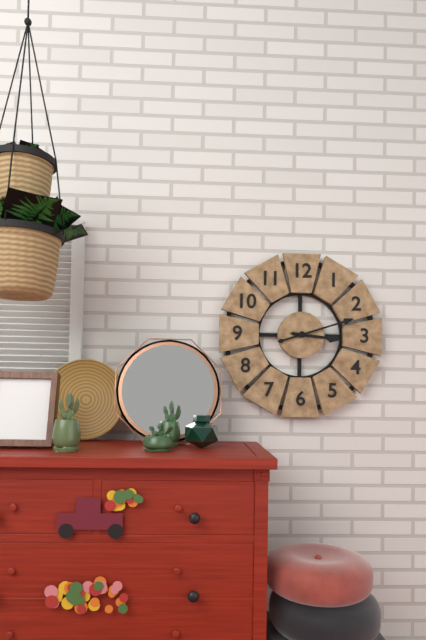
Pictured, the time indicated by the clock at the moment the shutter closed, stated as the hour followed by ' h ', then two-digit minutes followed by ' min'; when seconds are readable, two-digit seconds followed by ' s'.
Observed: 3 h 12 min
